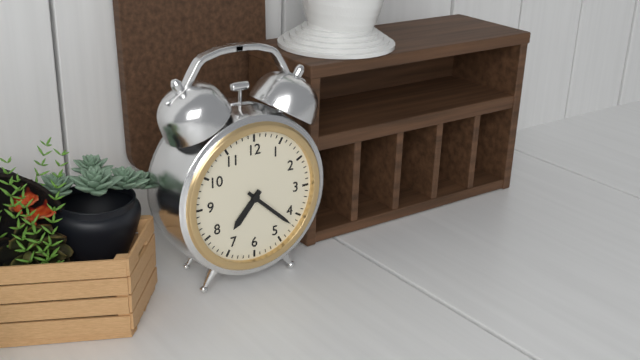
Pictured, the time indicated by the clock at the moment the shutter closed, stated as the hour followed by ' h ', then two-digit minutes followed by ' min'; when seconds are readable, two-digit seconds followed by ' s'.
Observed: 7 h 22 min
